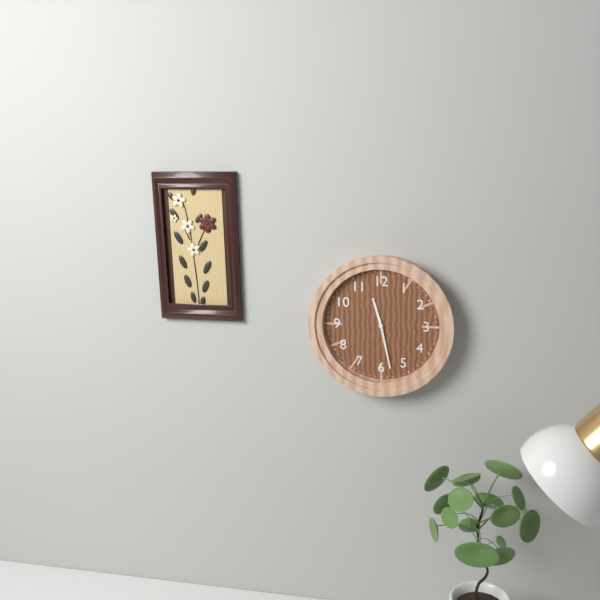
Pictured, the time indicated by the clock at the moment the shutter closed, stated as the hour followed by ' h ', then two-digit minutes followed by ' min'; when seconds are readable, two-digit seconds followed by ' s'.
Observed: 11 h 28 min
